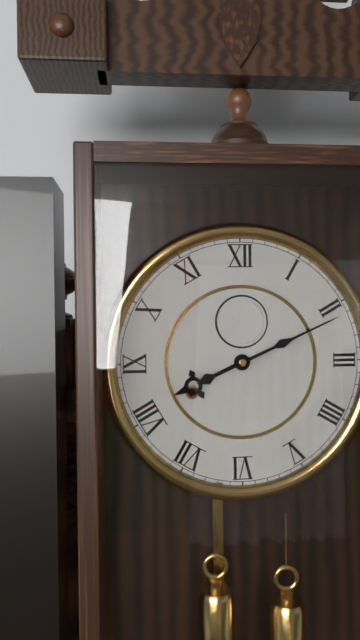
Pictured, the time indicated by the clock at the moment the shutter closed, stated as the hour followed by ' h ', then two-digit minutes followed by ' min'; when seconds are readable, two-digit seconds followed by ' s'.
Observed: 8 h 11 min
